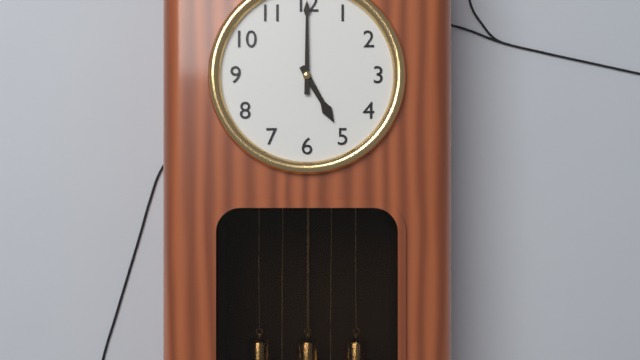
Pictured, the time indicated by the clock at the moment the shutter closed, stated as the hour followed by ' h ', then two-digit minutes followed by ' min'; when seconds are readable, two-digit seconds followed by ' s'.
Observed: 5 h 00 min
